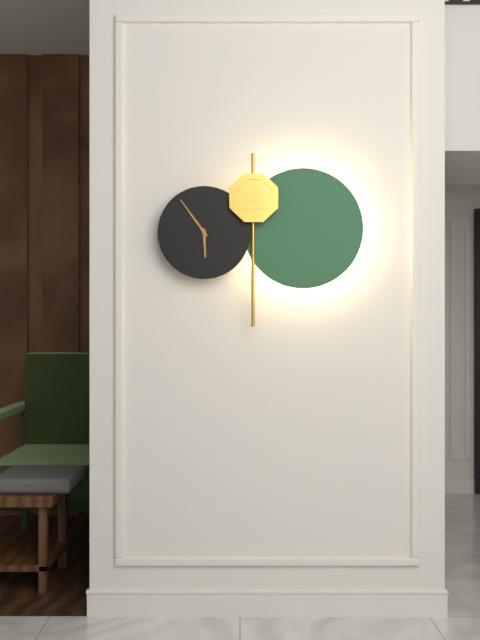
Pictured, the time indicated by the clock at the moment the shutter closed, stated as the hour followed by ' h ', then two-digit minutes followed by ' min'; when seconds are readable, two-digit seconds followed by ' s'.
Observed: 5 h 54 min
